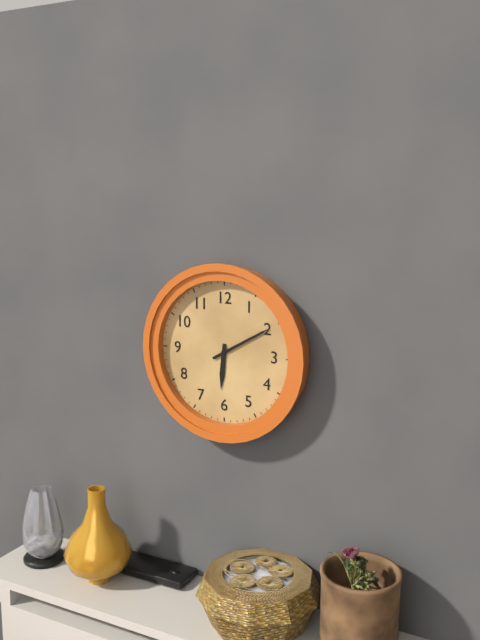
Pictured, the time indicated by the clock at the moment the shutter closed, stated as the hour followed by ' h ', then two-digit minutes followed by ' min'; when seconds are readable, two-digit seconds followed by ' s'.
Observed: 6 h 10 min
